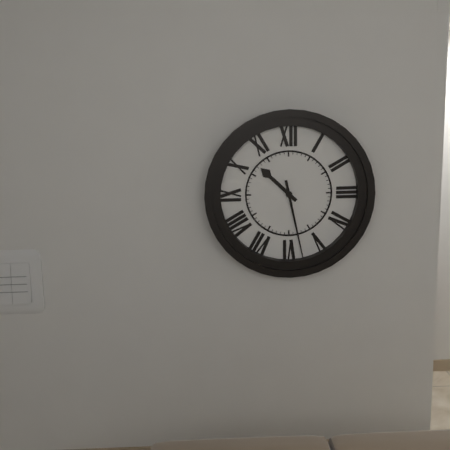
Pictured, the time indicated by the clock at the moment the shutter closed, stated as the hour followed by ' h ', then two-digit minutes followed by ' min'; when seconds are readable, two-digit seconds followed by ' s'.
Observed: 10 h 28 min
